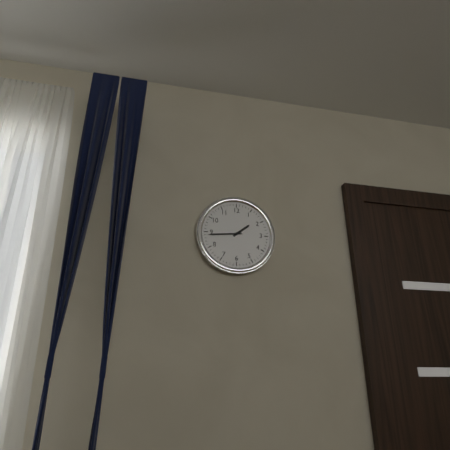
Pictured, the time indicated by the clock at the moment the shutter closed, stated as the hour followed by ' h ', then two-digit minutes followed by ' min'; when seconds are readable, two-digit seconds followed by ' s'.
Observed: 1 h 44 min
